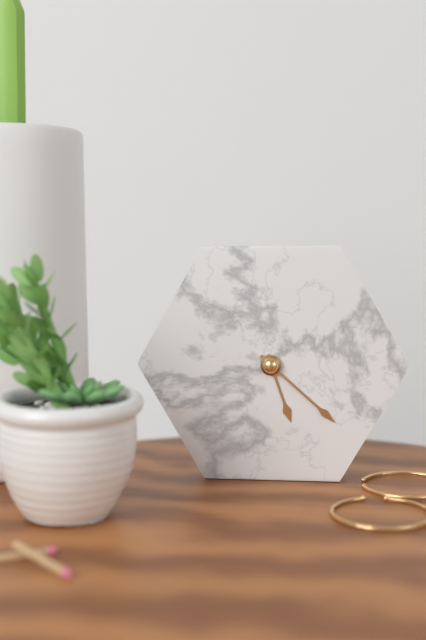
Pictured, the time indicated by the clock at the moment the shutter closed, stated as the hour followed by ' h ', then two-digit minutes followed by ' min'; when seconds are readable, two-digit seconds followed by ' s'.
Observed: 5 h 22 min
